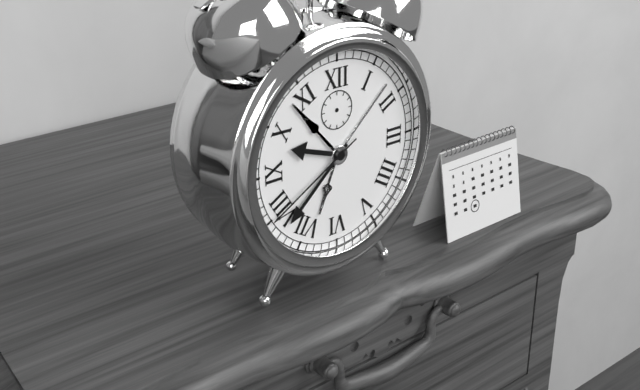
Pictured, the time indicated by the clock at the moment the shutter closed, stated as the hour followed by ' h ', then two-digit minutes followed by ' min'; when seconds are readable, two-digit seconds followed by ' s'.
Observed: 9 h 38 min 40 s
